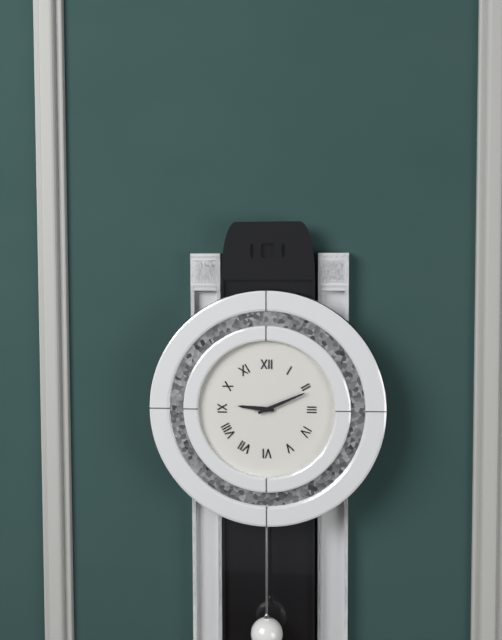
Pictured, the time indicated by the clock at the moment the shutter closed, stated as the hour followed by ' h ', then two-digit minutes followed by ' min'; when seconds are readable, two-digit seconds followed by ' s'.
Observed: 9 h 11 min
